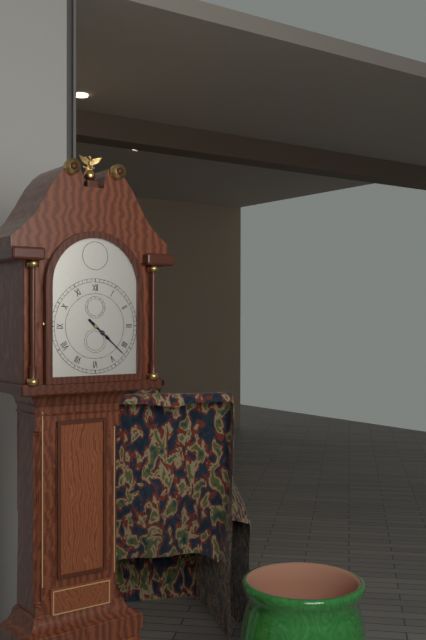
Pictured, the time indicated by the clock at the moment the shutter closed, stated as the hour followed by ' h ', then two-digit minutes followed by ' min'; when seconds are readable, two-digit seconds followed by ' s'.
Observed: 4 h 22 min
